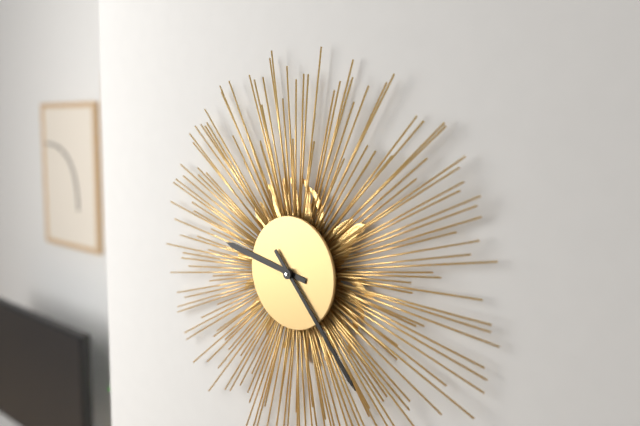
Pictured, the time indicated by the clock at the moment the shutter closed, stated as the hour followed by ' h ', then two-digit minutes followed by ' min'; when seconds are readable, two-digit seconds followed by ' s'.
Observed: 9 h 23 min
